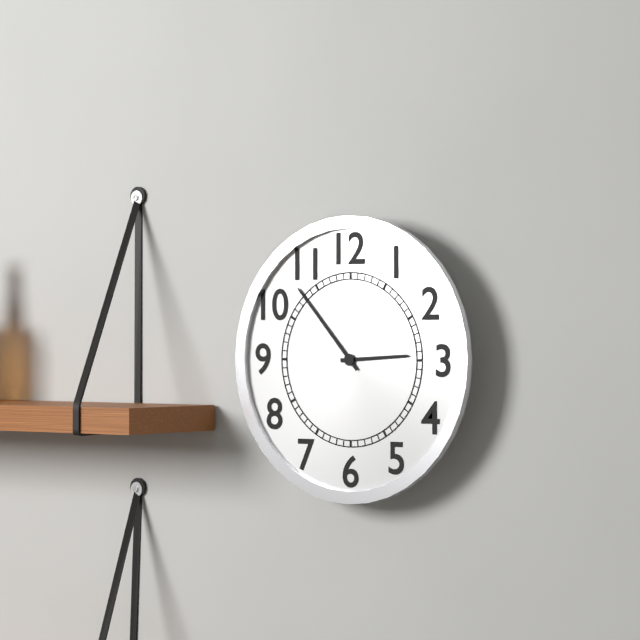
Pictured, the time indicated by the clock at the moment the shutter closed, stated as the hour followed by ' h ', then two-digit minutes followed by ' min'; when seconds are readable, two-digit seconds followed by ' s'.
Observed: 2 h 53 min
